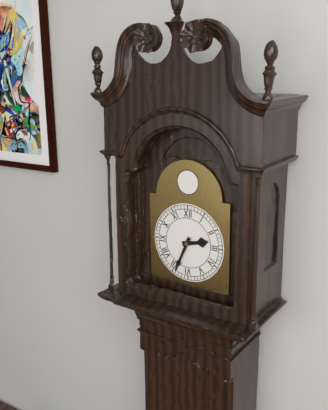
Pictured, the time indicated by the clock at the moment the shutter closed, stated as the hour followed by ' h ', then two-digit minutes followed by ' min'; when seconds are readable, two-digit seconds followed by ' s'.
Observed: 2 h 34 min
